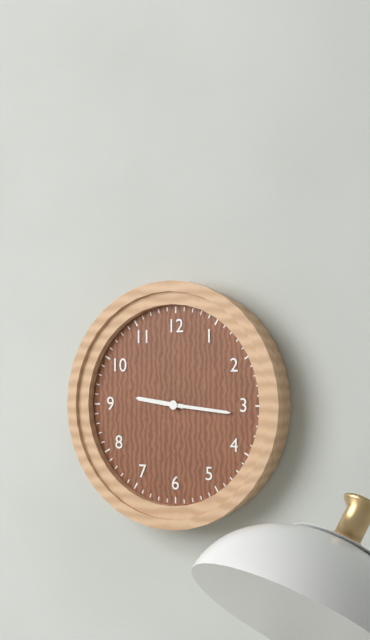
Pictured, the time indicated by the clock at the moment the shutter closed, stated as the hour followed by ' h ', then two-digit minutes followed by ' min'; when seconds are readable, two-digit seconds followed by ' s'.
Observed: 9 h 16 min
